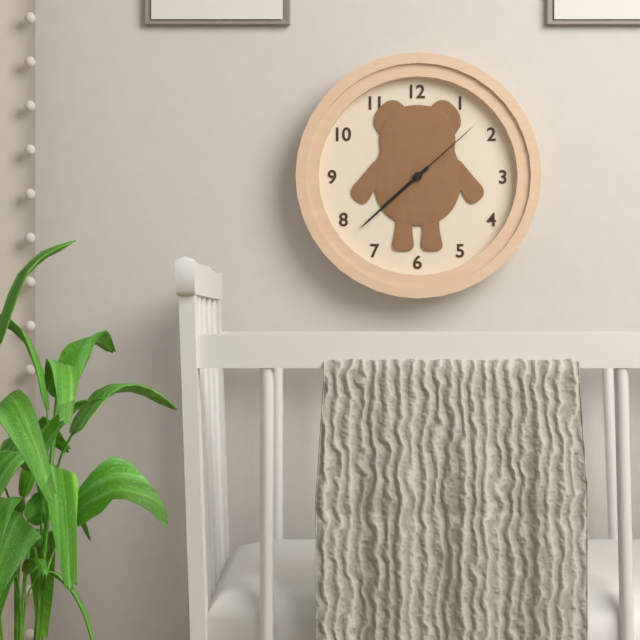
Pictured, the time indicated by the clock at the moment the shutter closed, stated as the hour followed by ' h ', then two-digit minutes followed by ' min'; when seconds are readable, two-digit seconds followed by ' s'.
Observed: 7 h 38 min 08 s
